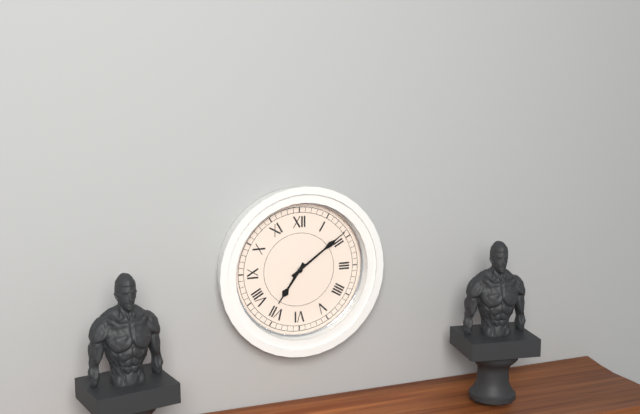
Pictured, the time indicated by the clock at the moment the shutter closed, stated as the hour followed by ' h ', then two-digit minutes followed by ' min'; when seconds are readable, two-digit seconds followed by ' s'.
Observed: 7 h 09 min
